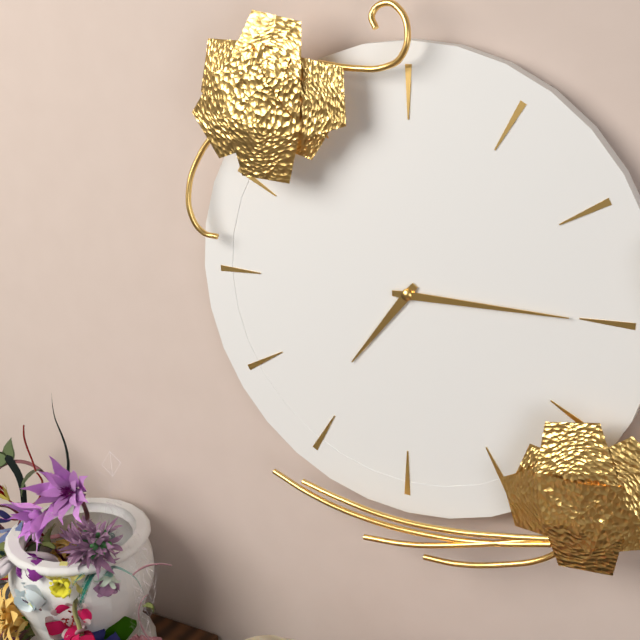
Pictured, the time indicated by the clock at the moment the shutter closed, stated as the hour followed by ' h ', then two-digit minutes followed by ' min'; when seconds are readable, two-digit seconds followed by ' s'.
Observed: 7 h 15 min
